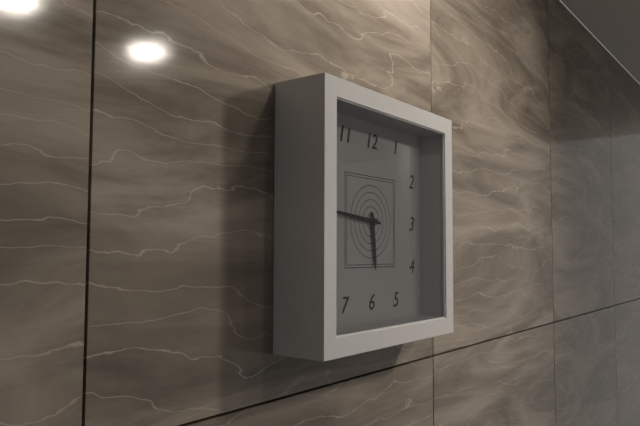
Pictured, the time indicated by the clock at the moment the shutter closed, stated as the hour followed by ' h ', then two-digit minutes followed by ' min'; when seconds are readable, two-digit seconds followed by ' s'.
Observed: 5 h 46 min
